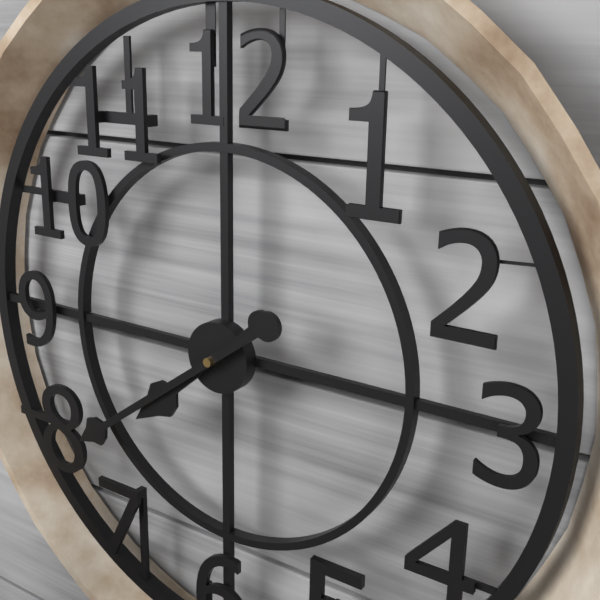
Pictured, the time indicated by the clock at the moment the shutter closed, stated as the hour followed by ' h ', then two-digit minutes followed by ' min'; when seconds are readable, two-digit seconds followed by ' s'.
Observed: 7 h 39 min
